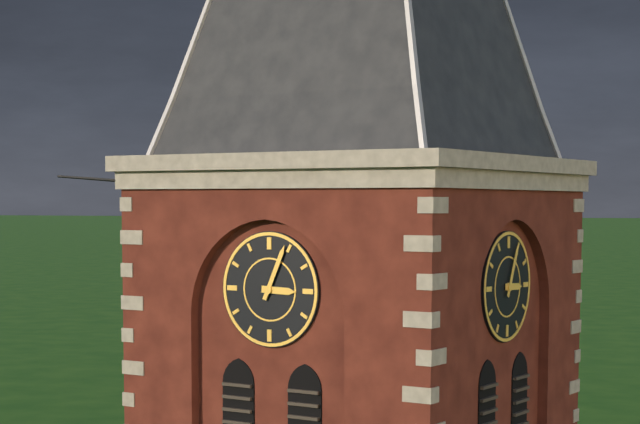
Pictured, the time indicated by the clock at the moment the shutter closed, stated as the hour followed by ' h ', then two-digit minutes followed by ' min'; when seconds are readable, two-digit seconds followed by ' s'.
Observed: 3 h 04 min
